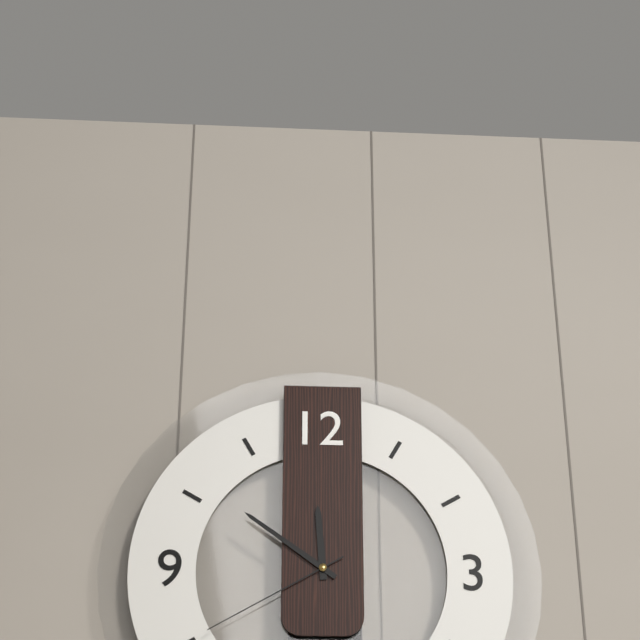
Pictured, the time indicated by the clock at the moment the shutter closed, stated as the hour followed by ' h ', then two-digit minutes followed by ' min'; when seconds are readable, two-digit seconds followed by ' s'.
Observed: 11 h 51 min 40 s
